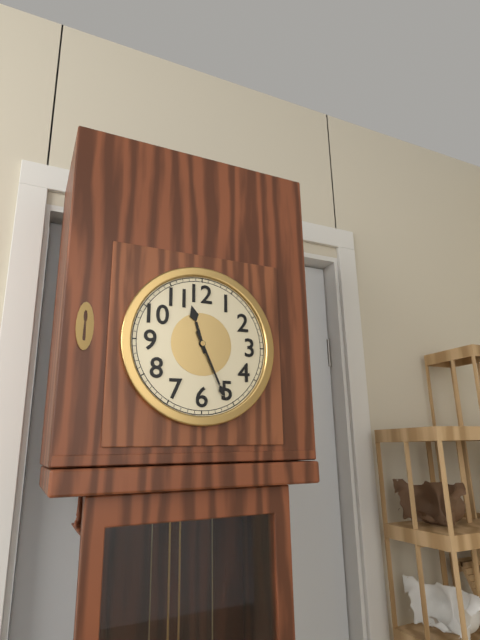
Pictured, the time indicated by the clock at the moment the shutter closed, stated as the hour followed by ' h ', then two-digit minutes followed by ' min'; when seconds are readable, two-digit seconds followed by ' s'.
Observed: 11 h 26 min
